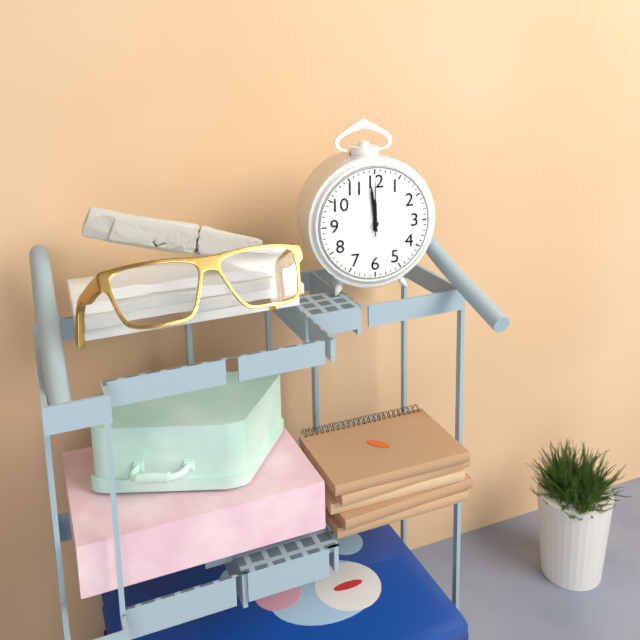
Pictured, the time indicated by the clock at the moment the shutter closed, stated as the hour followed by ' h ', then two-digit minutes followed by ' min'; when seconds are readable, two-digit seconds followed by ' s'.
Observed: 11 h 59 min 00 s
